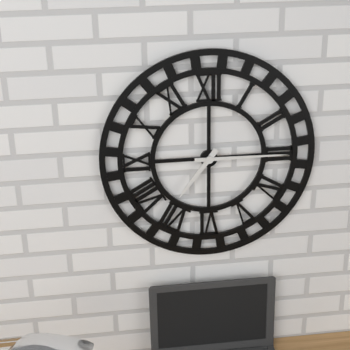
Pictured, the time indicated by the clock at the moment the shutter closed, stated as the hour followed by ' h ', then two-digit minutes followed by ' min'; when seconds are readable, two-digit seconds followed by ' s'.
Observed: 7 h 15 min
